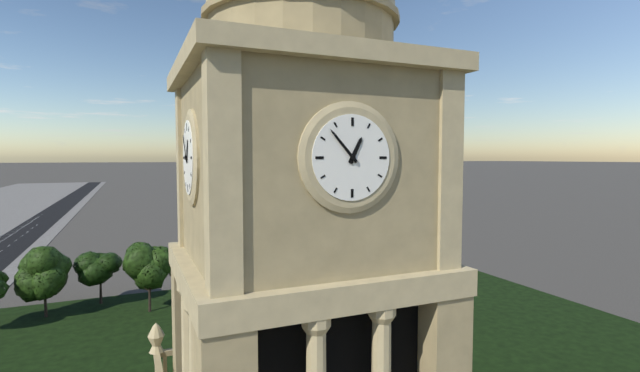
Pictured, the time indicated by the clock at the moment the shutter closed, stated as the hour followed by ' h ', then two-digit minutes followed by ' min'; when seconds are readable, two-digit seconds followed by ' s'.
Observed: 12 h 53 min
